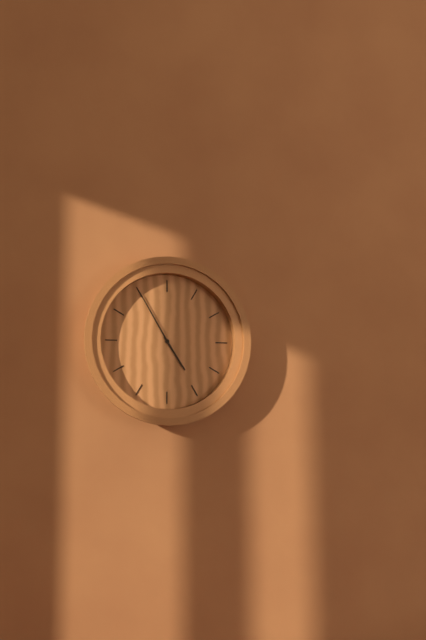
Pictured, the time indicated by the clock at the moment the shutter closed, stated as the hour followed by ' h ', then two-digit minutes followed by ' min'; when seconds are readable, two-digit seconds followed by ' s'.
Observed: 4 h 55 min
